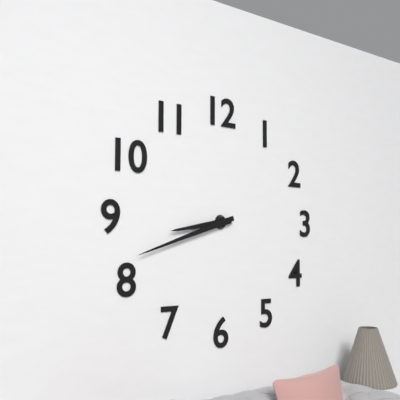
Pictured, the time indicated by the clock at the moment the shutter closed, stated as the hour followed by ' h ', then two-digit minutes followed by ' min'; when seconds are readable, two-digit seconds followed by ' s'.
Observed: 8 h 42 min
